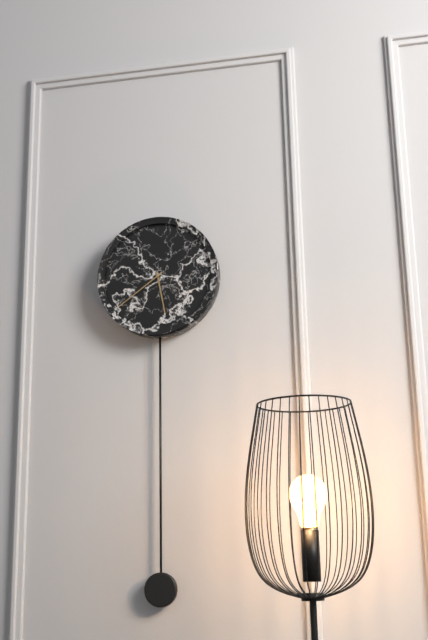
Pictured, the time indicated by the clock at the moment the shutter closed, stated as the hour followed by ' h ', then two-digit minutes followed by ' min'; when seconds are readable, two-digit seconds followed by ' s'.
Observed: 5 h 39 min
